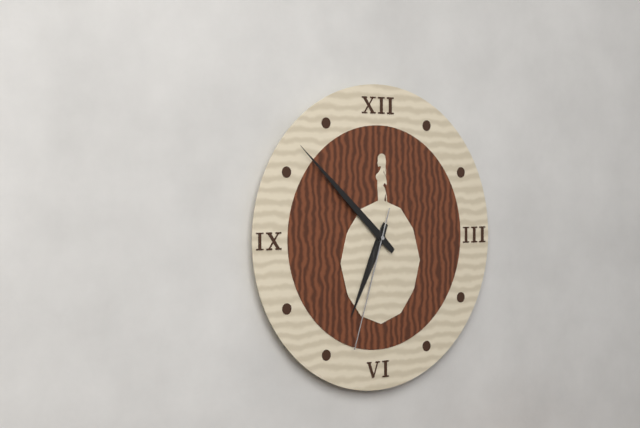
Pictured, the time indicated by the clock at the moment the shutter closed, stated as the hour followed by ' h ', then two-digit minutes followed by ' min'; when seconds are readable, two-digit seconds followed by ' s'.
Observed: 6 h 52 min 33 s
